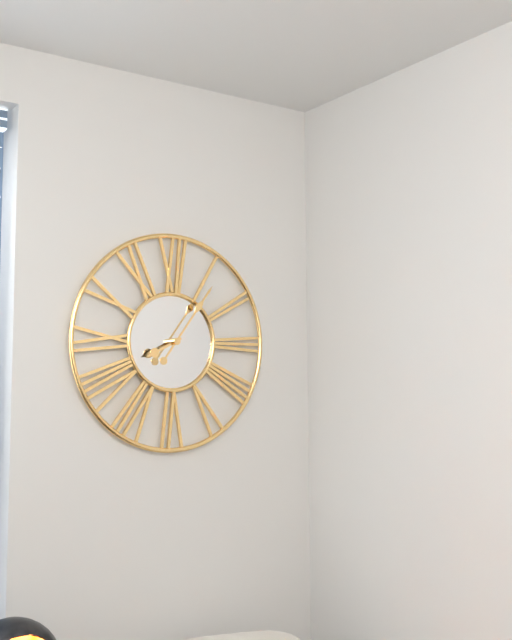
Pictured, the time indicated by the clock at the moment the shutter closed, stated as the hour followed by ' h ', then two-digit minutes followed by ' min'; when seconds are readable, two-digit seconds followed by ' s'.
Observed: 8 h 06 min
